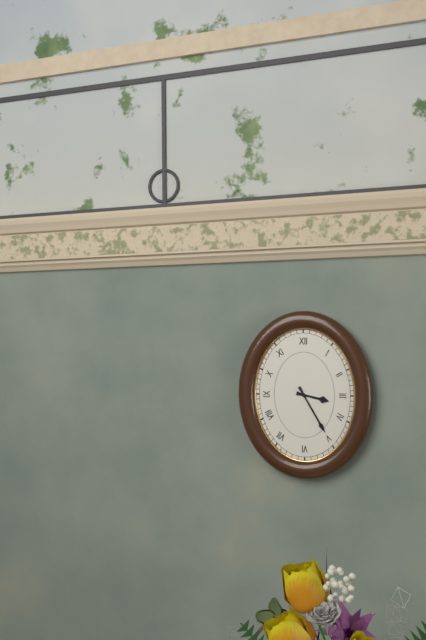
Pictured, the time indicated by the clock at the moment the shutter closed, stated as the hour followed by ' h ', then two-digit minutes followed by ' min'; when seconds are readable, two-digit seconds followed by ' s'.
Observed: 3 h 25 min
